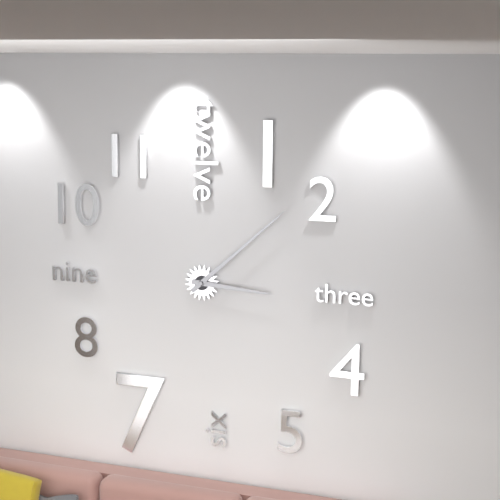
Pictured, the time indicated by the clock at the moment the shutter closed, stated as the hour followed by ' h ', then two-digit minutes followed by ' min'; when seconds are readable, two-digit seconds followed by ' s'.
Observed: 3 h 08 min
